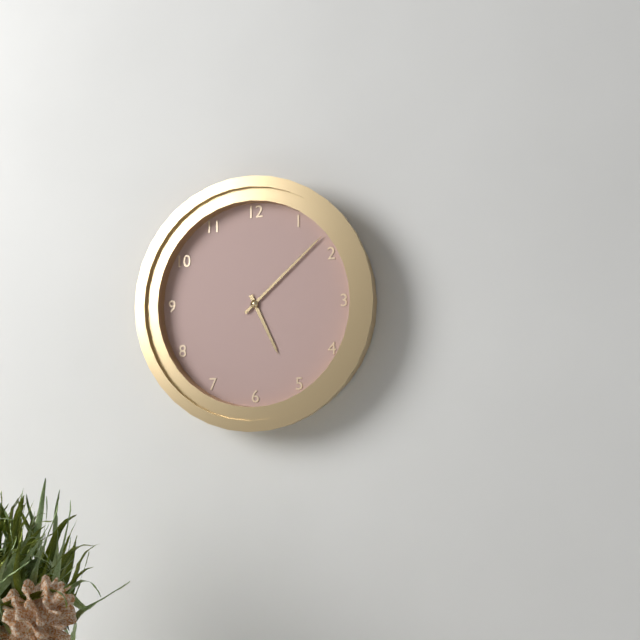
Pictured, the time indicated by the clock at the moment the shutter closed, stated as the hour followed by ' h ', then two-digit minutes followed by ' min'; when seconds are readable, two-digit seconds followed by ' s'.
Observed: 5 h 08 min
